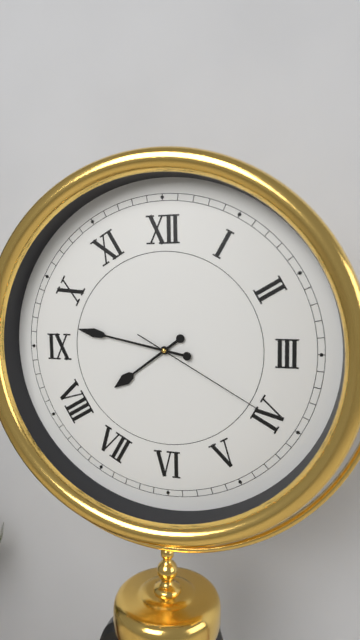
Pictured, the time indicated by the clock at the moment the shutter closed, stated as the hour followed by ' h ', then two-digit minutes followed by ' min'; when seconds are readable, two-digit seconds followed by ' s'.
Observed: 7 h 47 min 20 s
